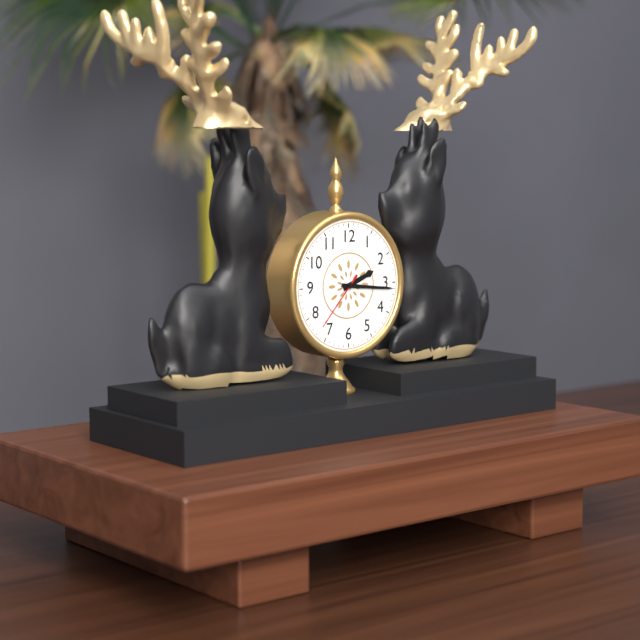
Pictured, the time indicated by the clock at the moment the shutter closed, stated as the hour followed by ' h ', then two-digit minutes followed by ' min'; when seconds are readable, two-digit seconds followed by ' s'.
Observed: 2 h 16 min 37 s
